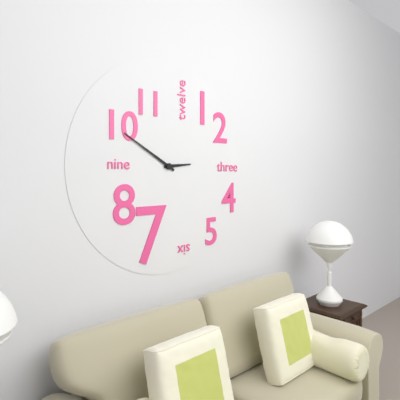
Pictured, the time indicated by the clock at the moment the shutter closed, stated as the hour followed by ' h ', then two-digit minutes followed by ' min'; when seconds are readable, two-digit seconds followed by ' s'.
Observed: 2 h 50 min
